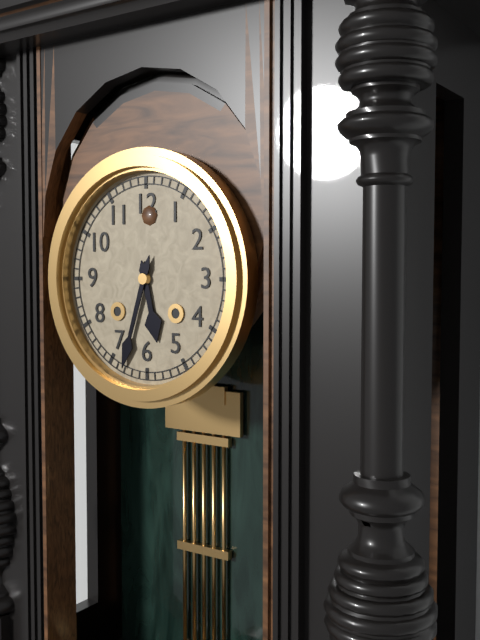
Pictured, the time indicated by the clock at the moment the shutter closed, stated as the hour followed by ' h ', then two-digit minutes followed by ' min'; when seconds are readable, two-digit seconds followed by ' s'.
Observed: 5 h 33 min
